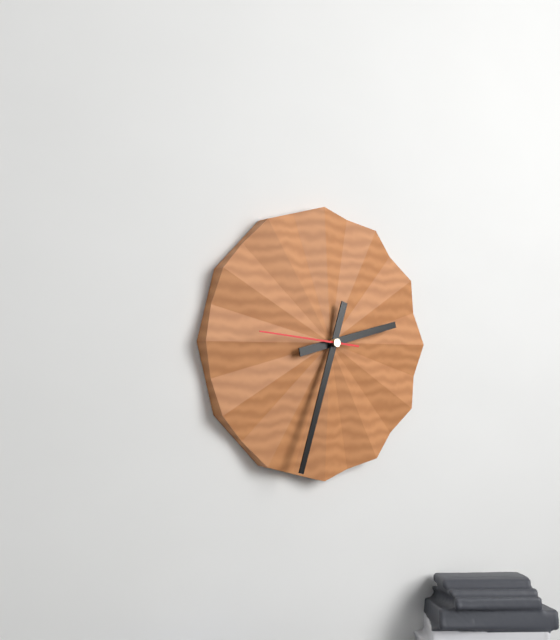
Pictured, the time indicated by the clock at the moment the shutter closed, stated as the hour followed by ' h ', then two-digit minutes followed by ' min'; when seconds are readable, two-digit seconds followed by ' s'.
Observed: 2 h 33 min 46 s
